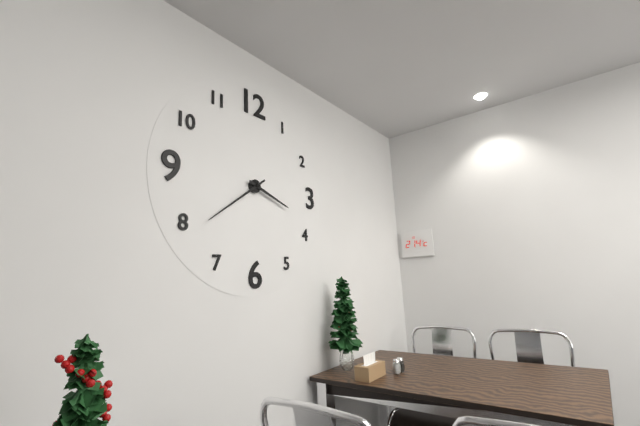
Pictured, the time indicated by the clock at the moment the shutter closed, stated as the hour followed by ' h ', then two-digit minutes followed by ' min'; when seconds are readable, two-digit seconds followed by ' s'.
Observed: 3 h 39 min
